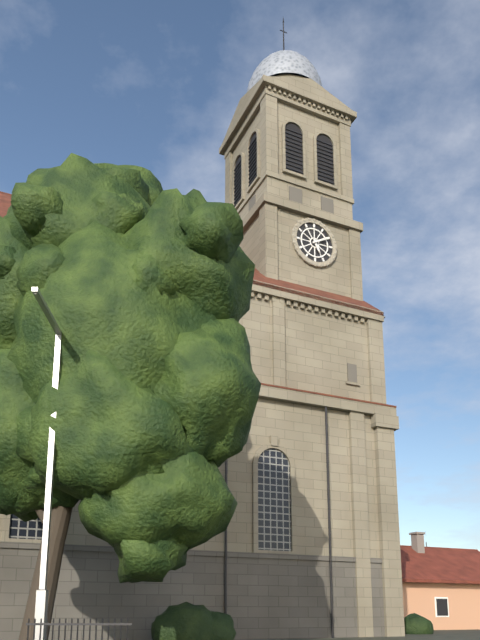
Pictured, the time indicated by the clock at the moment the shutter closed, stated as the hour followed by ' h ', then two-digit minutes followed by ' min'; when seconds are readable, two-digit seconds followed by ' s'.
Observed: 5 h 10 min
